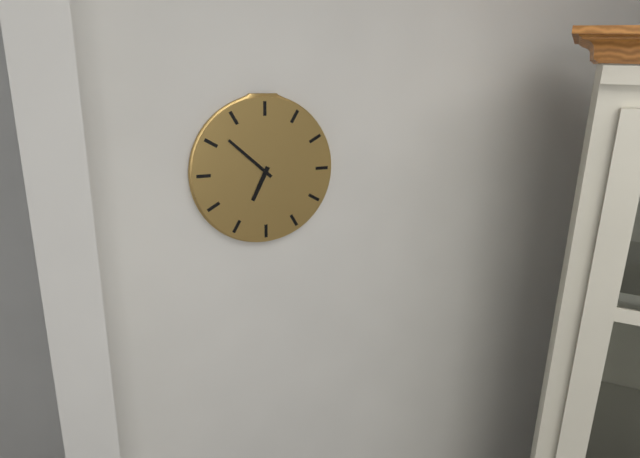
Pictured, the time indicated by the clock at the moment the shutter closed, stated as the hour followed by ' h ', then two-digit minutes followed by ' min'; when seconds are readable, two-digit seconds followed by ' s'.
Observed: 6 h 52 min
